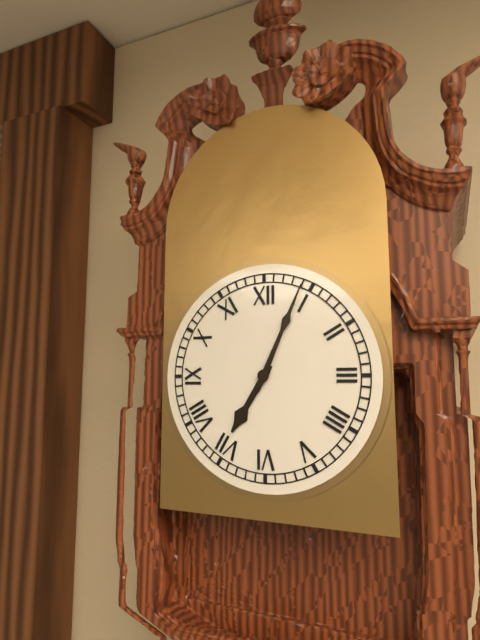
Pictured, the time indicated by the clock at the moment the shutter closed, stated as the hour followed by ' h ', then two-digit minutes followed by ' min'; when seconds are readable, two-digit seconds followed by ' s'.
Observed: 7 h 04 min
